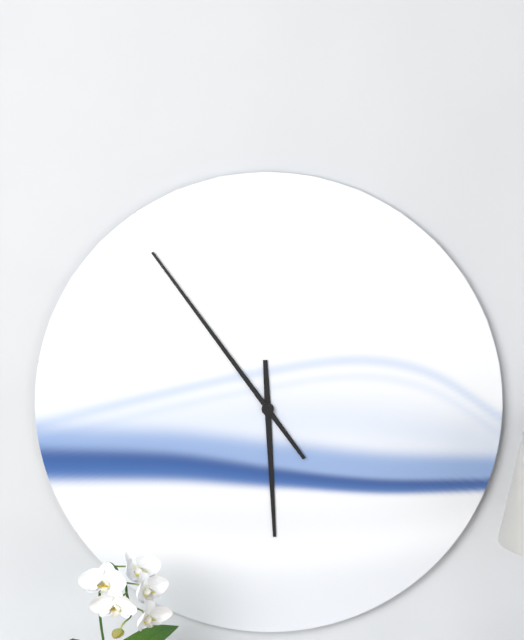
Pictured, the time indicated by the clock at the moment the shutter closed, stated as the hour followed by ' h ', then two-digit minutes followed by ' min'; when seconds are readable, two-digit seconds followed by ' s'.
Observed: 5 h 54 min
